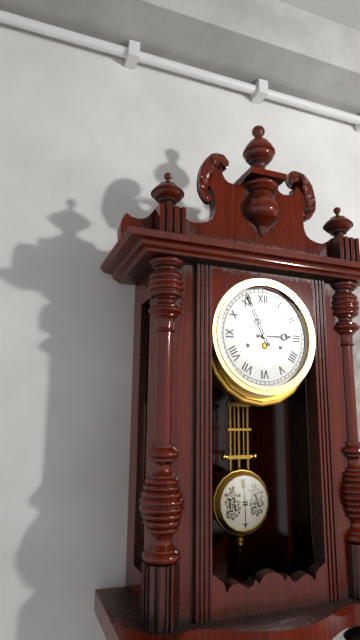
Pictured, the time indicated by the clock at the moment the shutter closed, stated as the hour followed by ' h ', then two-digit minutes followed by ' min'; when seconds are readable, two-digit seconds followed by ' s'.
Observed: 2 h 56 min
